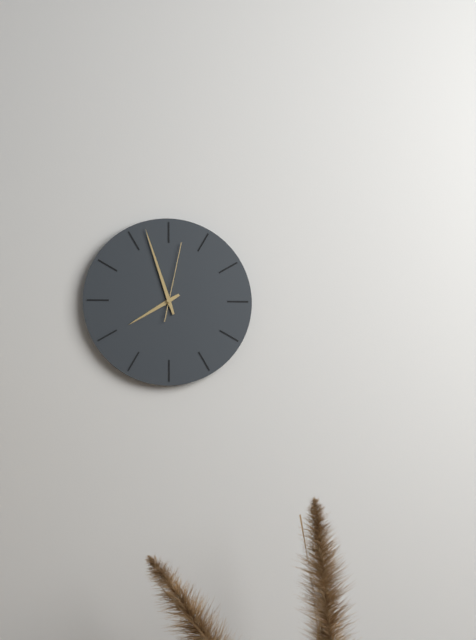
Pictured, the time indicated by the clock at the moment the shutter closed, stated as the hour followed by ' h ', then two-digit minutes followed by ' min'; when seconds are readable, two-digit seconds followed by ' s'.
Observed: 7 h 57 min 02 s
